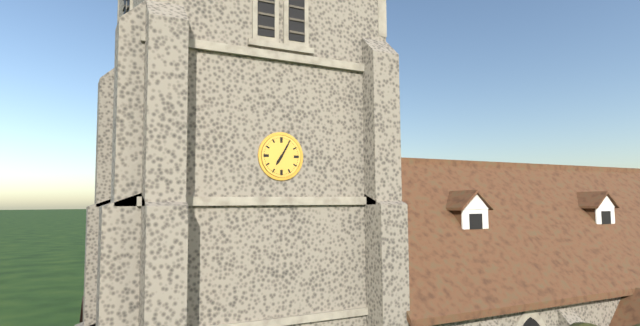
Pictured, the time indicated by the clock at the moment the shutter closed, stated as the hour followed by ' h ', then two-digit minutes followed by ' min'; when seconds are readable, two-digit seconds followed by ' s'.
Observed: 7 h 05 min
